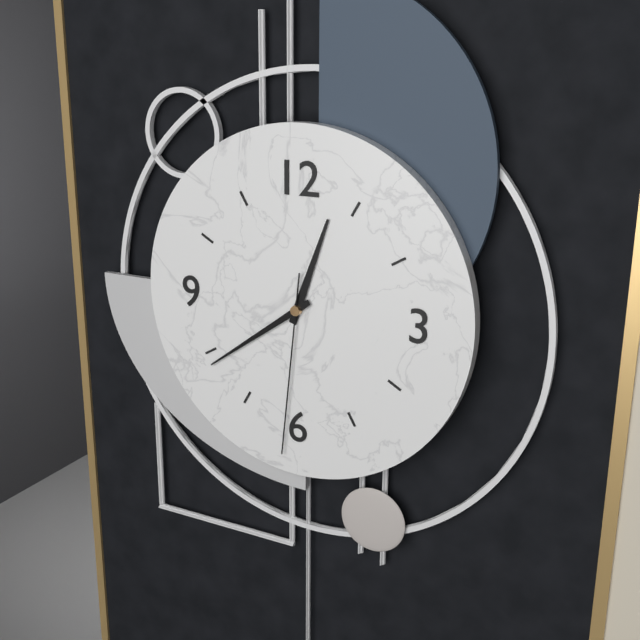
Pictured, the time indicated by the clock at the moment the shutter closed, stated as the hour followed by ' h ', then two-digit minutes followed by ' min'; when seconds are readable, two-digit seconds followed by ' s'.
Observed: 12 h 39 min 31 s
